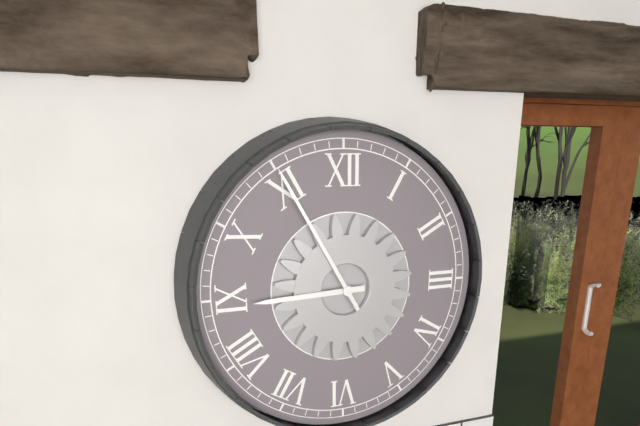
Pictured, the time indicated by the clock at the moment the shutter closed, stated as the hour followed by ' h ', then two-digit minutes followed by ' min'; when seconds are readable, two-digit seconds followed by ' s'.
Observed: 8 h 55 min
